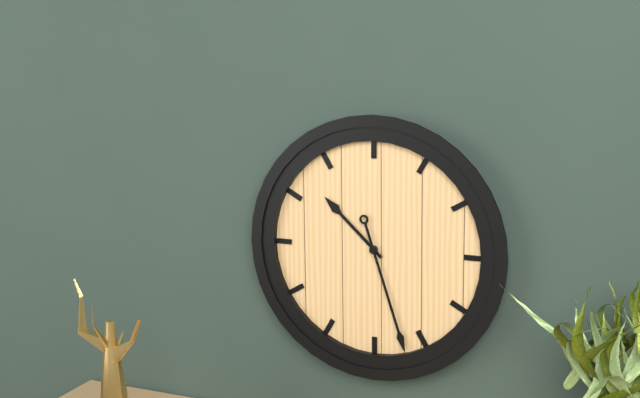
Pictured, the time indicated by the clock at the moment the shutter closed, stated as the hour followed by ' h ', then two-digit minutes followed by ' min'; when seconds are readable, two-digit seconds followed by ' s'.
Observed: 10 h 27 min
